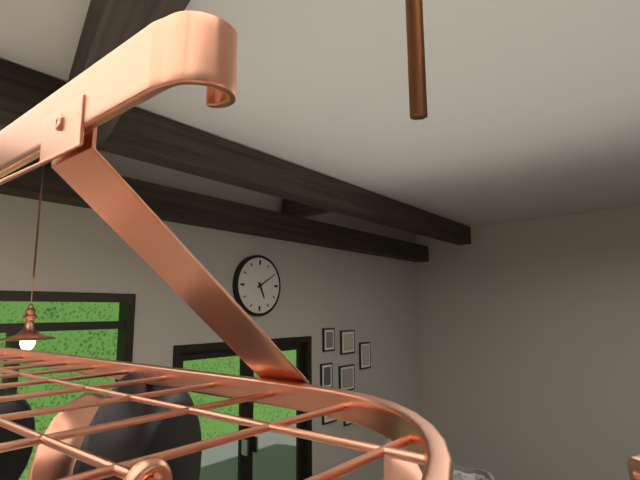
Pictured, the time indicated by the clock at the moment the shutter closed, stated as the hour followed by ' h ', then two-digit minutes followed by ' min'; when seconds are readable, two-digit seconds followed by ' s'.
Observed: 5 h 10 min
